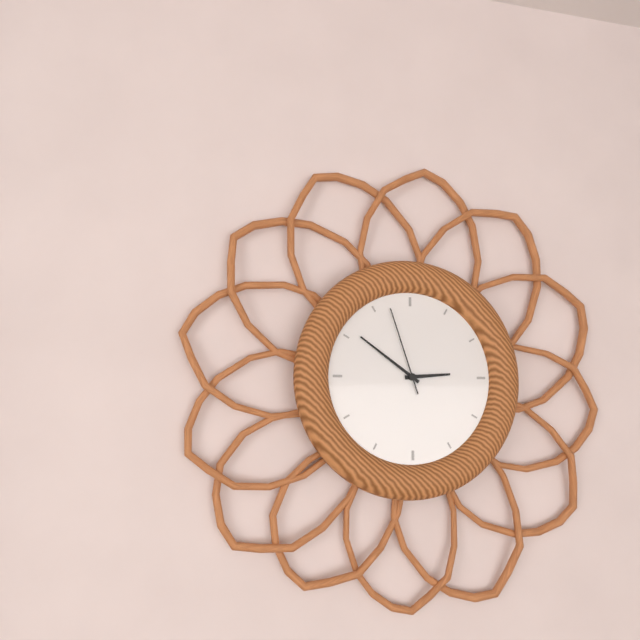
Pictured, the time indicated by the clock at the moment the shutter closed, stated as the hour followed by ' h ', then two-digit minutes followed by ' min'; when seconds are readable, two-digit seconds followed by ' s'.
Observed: 2 h 51 min 57 s
